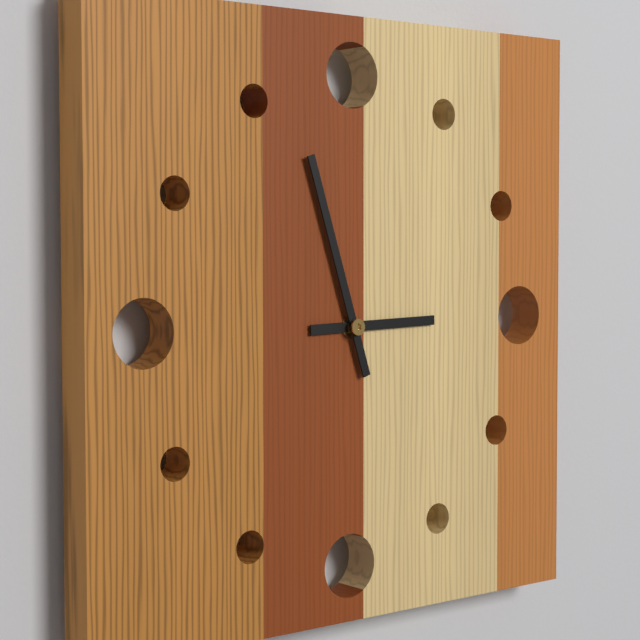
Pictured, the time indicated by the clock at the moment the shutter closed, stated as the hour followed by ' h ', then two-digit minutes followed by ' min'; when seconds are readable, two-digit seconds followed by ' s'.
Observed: 2 h 57 min
